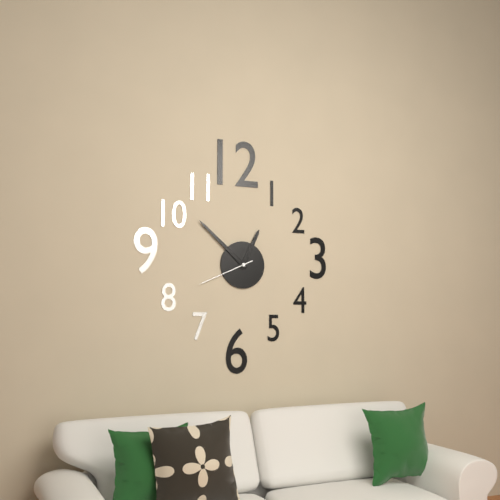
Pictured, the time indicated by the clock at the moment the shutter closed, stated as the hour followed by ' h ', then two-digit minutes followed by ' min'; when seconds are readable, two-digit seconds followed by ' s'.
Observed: 12 h 52 min 41 s
